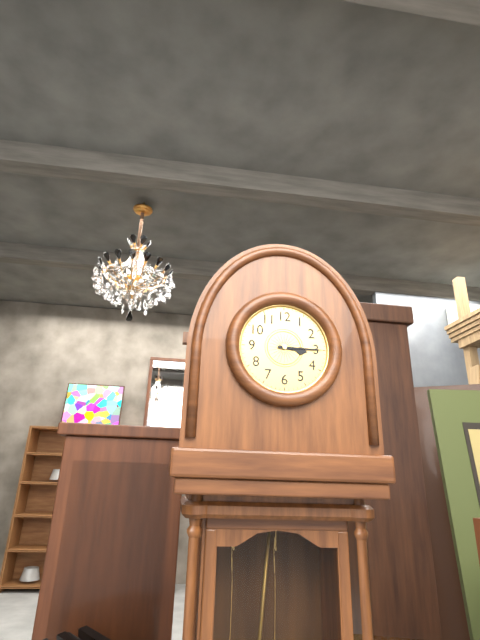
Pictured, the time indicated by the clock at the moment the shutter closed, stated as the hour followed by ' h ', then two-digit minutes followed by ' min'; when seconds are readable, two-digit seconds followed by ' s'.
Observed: 3 h 15 min
